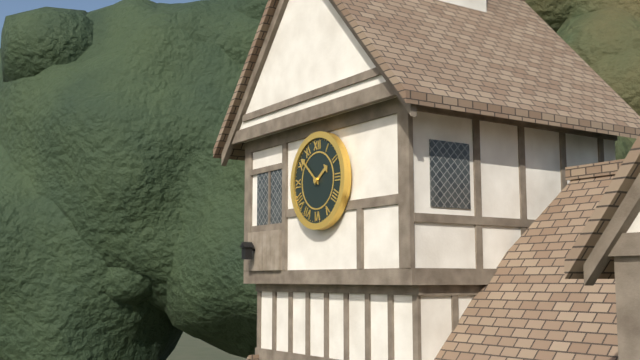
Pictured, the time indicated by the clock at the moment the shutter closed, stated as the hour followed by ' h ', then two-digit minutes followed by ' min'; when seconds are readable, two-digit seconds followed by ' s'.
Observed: 1 h 52 min
